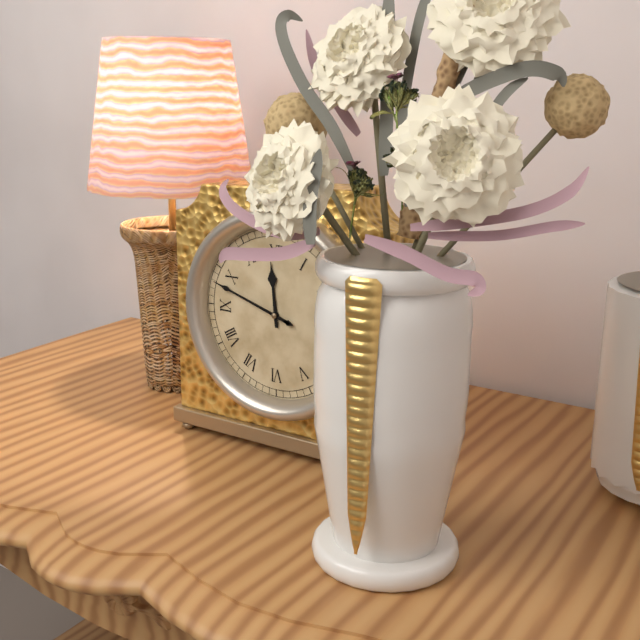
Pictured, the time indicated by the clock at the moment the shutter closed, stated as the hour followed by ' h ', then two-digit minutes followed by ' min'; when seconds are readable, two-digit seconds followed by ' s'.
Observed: 11 h 48 min
